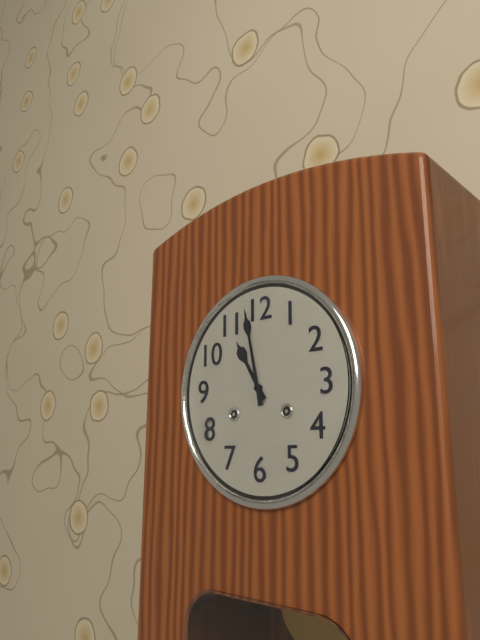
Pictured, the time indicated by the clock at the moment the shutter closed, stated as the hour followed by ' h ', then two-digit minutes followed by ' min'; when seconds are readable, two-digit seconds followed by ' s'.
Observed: 10 h 58 min
